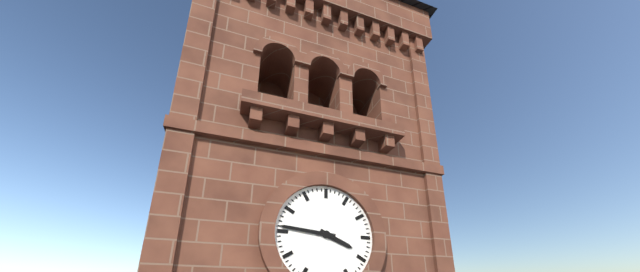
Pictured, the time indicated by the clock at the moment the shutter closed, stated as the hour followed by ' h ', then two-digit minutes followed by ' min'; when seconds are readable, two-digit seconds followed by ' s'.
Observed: 3 h 46 min
